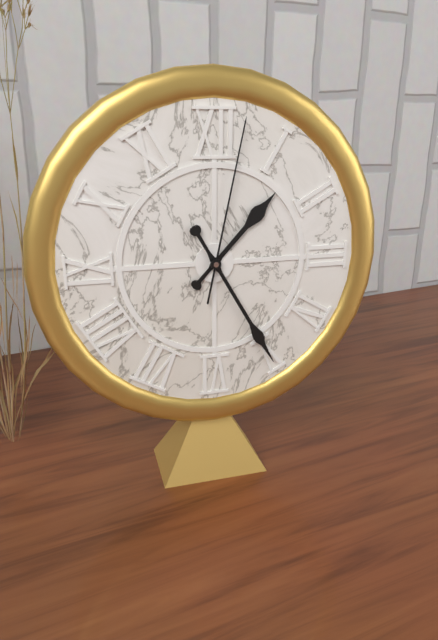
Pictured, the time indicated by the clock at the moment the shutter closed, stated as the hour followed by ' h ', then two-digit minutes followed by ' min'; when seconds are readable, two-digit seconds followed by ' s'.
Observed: 1 h 25 min 02 s
